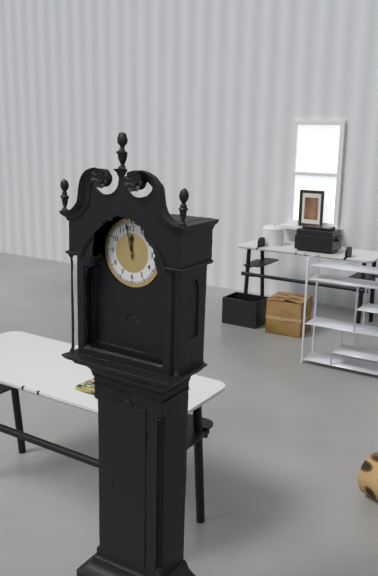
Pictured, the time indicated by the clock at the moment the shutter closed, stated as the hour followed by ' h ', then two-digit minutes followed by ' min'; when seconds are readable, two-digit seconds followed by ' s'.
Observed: 11 h 58 min
